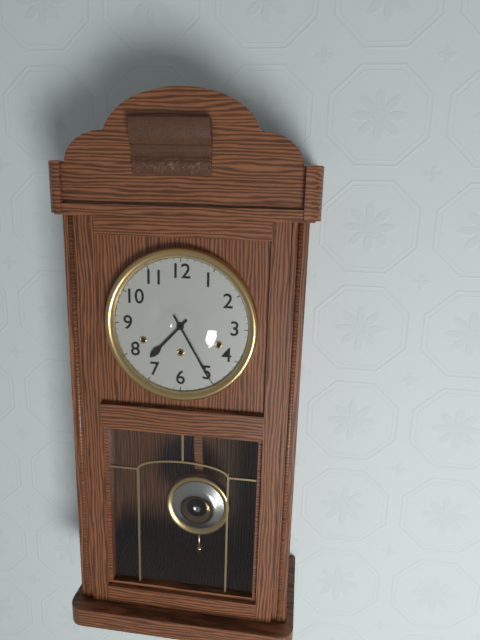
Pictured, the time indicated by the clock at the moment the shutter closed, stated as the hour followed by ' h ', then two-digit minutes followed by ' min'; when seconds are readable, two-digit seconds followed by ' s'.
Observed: 7 h 25 min
